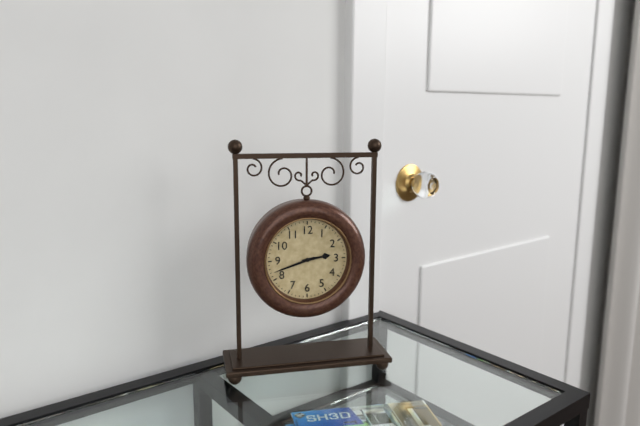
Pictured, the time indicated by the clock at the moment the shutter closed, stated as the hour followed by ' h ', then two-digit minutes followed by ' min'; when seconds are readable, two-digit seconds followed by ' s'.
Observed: 2 h 42 min
